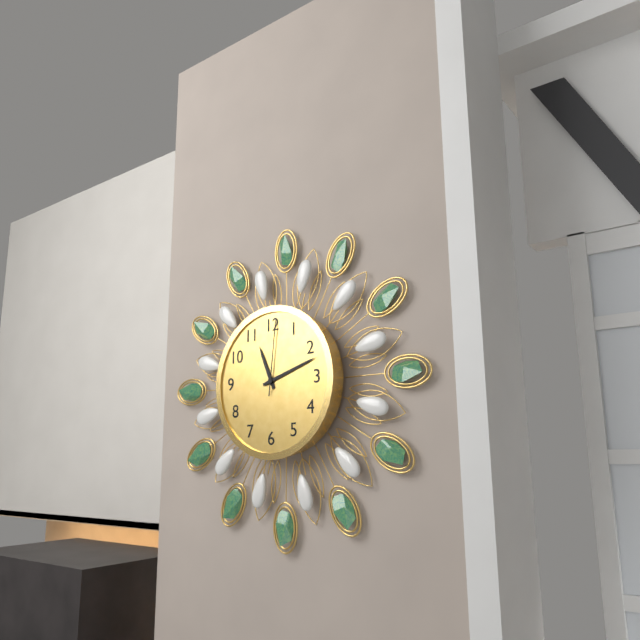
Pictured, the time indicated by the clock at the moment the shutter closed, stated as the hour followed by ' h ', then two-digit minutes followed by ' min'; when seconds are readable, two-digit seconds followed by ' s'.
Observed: 11 h 12 min 01 s
